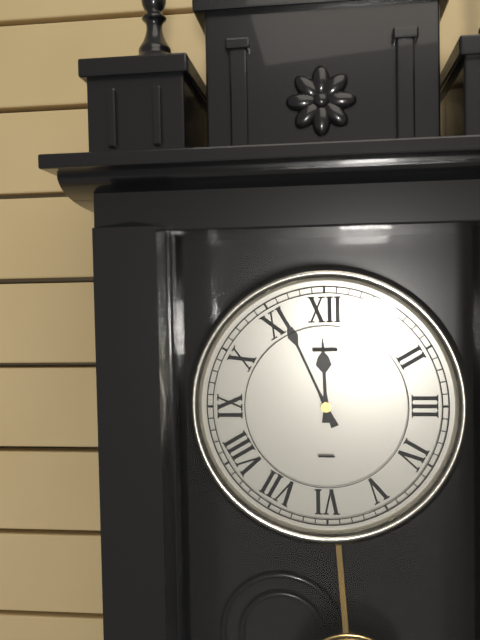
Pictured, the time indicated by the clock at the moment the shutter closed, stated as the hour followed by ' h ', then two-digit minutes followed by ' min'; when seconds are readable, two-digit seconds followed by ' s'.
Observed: 11 h 56 min
